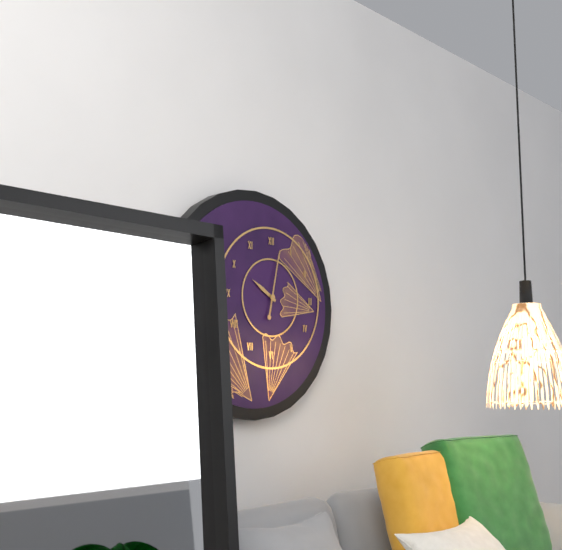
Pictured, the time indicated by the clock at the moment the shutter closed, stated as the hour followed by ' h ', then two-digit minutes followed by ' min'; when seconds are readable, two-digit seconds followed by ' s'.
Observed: 10 h 02 min
